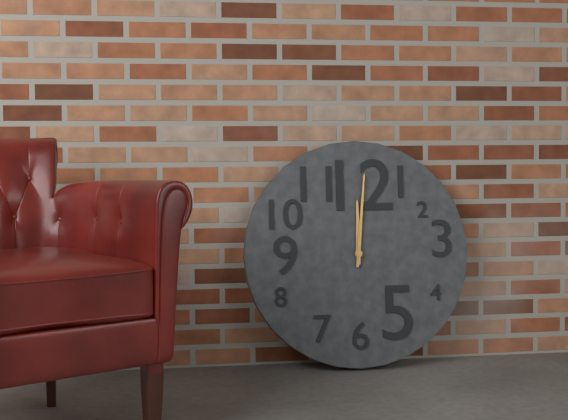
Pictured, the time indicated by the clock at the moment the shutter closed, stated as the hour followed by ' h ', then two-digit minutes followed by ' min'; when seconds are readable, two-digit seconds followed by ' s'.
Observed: 12 h 01 min
